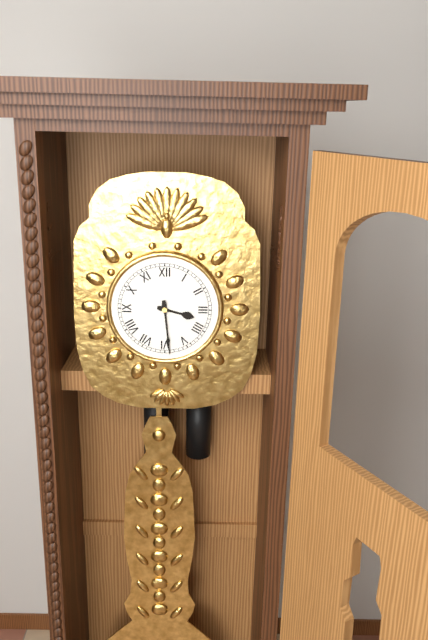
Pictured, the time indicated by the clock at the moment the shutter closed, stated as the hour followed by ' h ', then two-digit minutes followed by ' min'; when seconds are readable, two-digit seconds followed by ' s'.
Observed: 3 h 29 min
